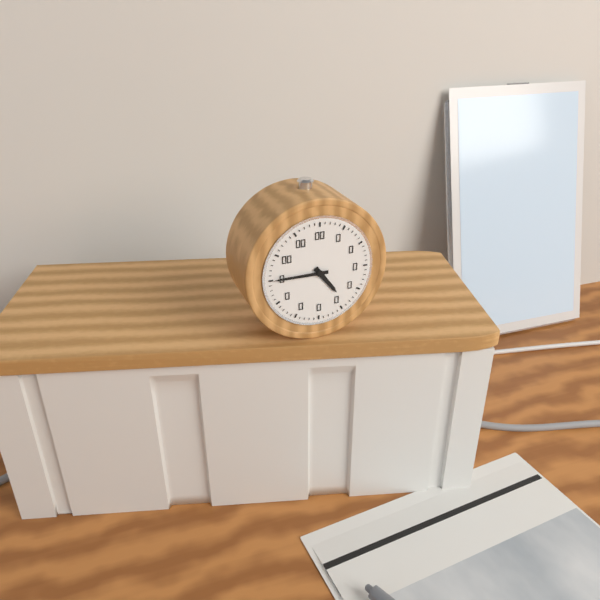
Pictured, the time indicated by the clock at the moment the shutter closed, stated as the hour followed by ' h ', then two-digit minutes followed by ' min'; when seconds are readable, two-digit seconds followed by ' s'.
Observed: 4 h 45 min
